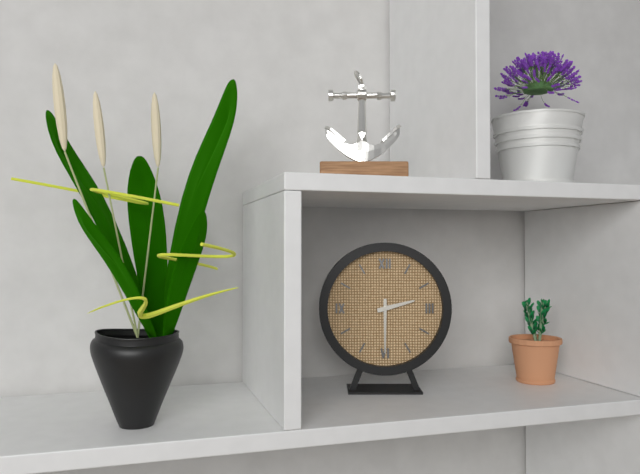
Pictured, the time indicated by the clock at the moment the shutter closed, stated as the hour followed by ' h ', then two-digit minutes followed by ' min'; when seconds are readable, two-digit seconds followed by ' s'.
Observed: 2 h 30 min
